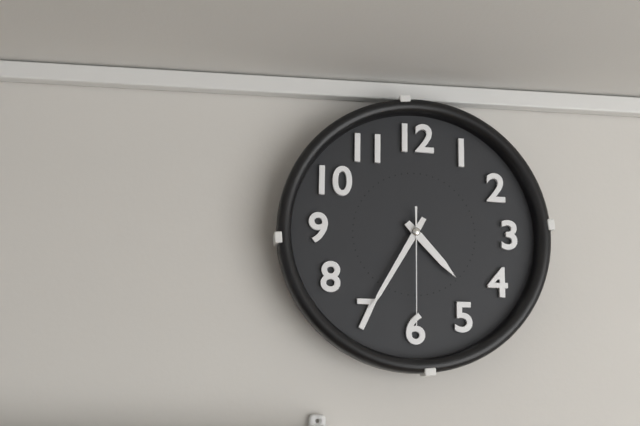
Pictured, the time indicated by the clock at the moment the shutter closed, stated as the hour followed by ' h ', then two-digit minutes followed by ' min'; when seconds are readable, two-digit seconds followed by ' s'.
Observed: 4 h 35 min 30 s
